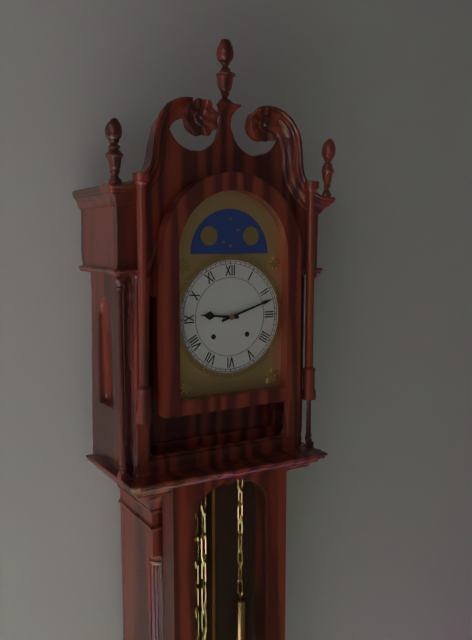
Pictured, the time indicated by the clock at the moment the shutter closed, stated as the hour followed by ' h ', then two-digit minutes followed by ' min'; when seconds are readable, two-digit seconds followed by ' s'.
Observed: 9 h 12 min
